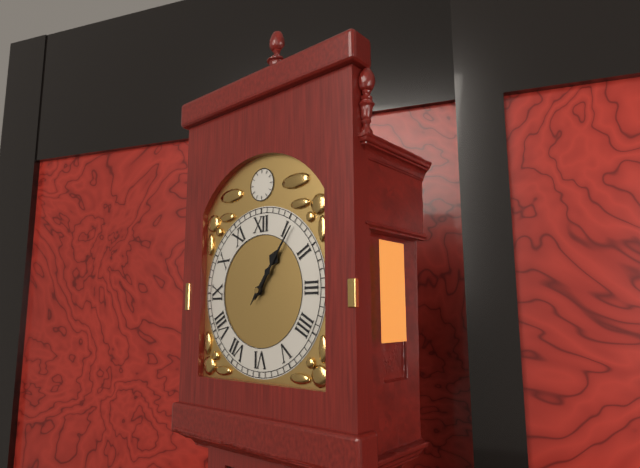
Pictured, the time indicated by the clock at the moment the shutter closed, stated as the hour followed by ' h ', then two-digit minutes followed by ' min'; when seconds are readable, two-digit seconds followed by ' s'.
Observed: 1 h 06 min
